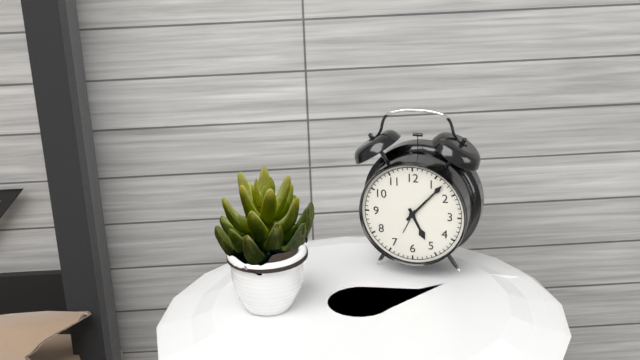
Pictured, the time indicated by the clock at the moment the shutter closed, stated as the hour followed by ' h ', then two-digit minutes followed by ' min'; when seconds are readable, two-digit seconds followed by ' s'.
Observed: 5 h 07 min
